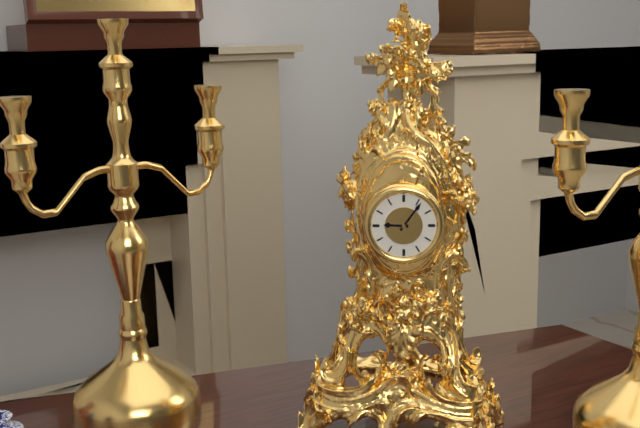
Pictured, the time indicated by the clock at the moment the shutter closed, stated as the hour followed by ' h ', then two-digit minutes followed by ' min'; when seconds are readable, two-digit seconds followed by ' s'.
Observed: 9 h 06 min
